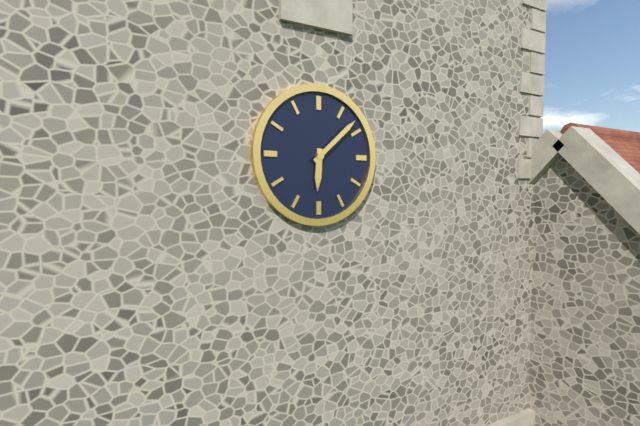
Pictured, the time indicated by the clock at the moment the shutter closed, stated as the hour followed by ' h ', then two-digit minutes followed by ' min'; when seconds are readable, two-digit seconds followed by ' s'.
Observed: 6 h 08 min
